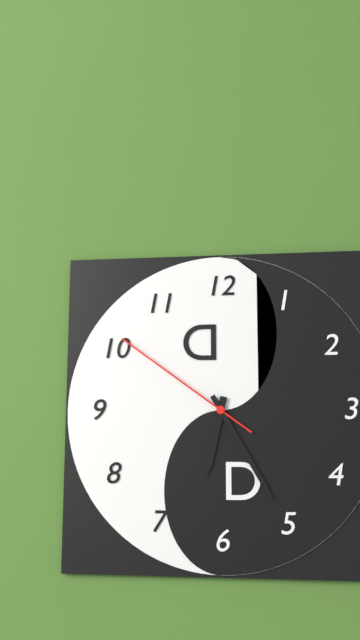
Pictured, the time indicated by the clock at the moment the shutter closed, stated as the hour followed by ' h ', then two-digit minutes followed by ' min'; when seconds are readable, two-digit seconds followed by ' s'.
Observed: 6 h 25 min 51 s
